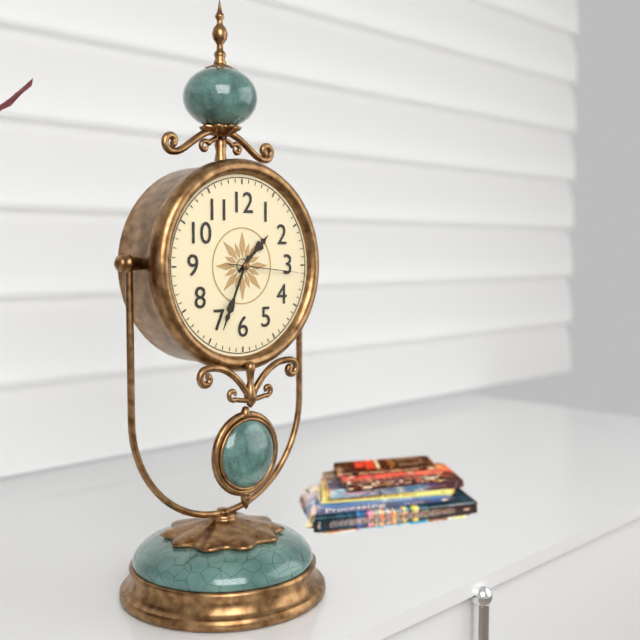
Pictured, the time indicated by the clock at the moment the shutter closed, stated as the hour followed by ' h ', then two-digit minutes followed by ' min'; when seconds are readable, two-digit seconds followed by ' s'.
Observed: 1 h 34 min 16 s
